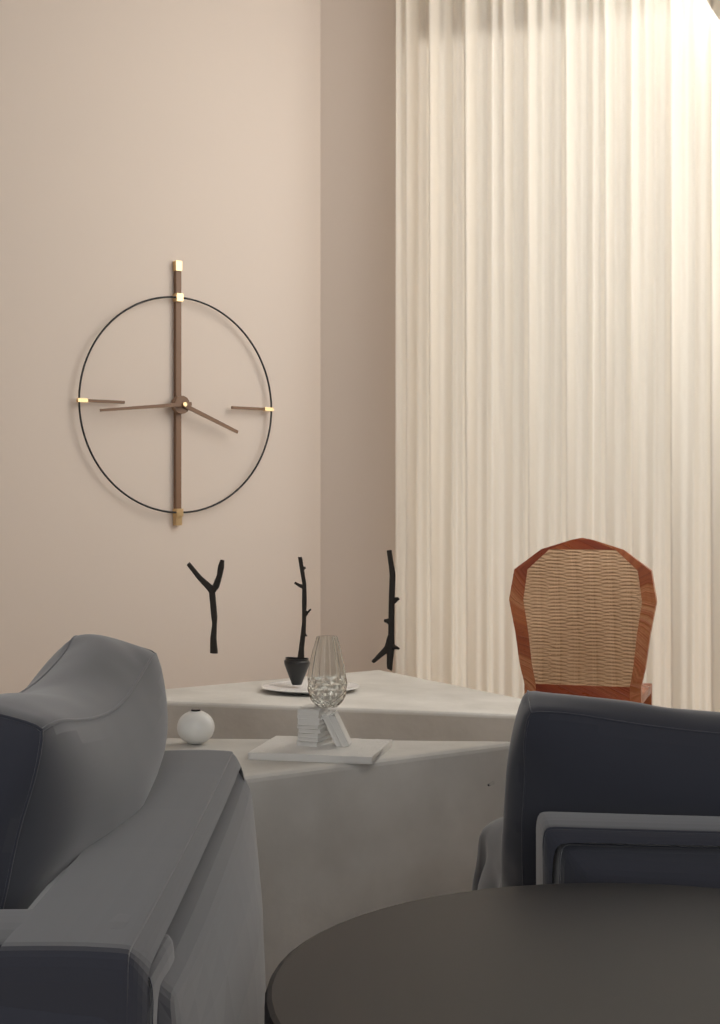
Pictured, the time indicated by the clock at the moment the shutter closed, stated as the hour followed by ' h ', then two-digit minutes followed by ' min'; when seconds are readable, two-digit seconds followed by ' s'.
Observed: 3 h 44 min
